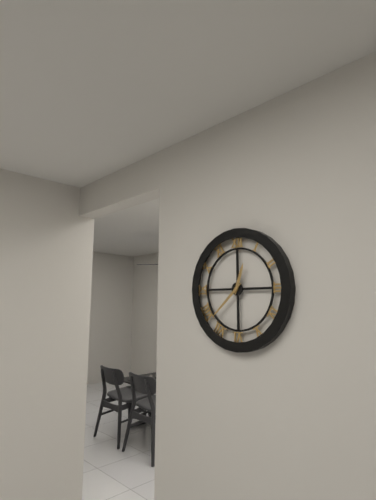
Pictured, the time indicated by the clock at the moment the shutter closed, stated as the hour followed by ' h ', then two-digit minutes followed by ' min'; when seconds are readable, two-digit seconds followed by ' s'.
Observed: 12 h 38 min
